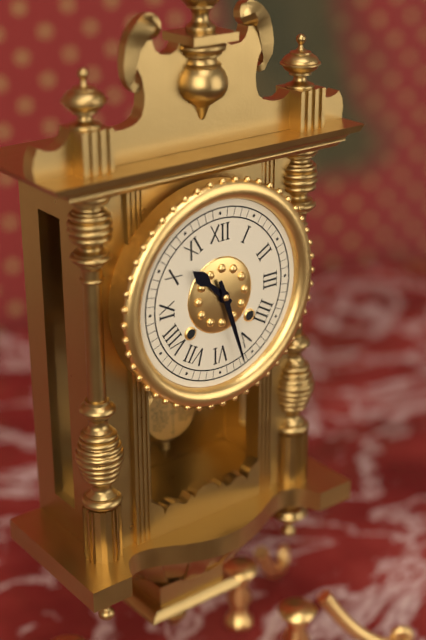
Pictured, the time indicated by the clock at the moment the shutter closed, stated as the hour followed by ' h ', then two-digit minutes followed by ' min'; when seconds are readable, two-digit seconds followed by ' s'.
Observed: 10 h 27 min
